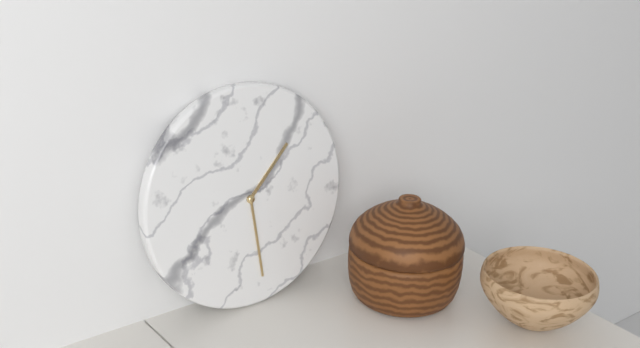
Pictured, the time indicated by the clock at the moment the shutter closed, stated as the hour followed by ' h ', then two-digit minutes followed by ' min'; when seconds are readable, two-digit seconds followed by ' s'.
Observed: 1 h 29 min
